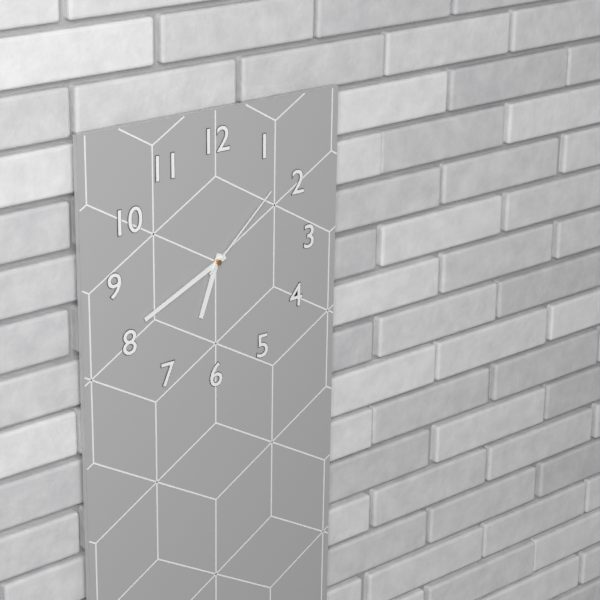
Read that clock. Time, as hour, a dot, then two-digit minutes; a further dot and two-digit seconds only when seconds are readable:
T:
6.41.08
